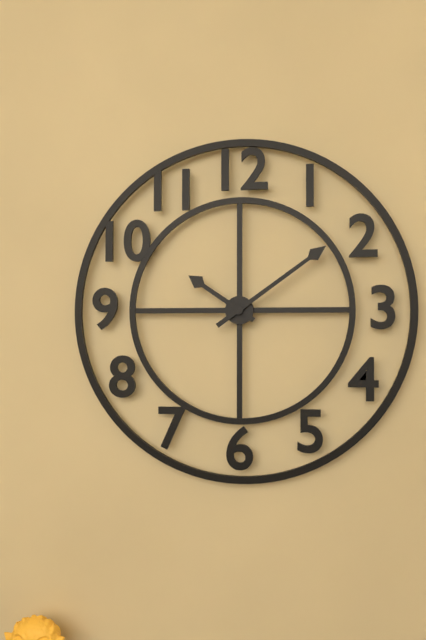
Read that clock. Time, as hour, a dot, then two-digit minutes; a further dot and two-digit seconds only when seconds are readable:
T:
10.09
